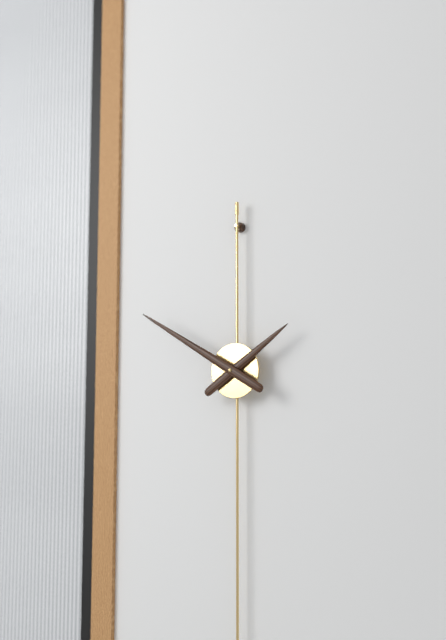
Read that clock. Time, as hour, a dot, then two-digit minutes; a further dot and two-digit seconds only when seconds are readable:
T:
1.50
